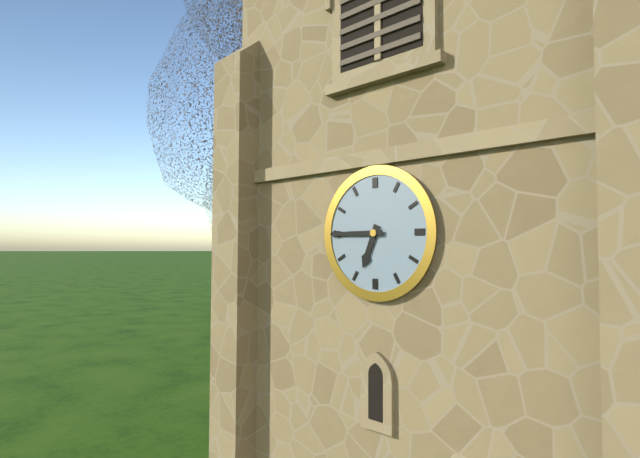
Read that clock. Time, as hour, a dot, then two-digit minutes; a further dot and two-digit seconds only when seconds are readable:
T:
6.45
